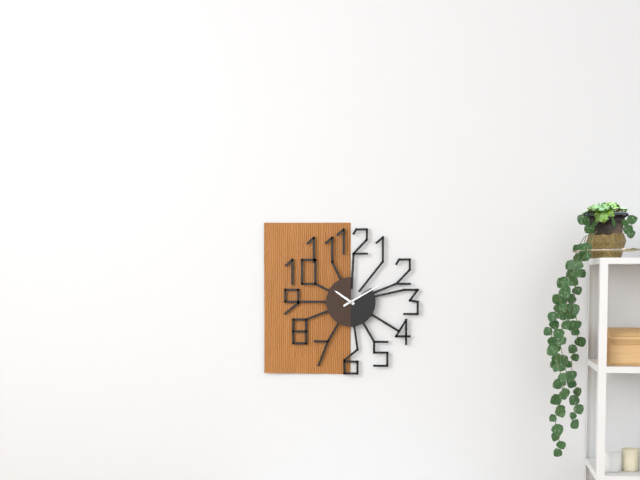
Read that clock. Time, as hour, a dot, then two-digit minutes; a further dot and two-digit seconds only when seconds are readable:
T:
10.10
